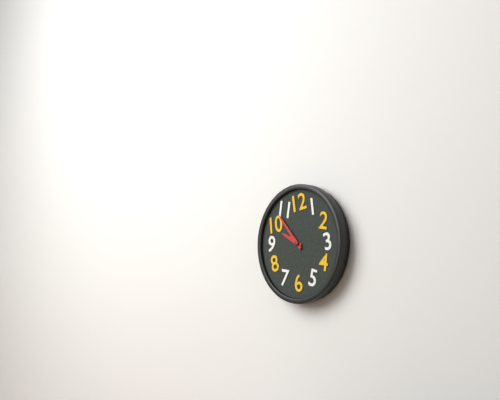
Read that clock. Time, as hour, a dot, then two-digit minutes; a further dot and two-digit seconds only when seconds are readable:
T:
9.53
